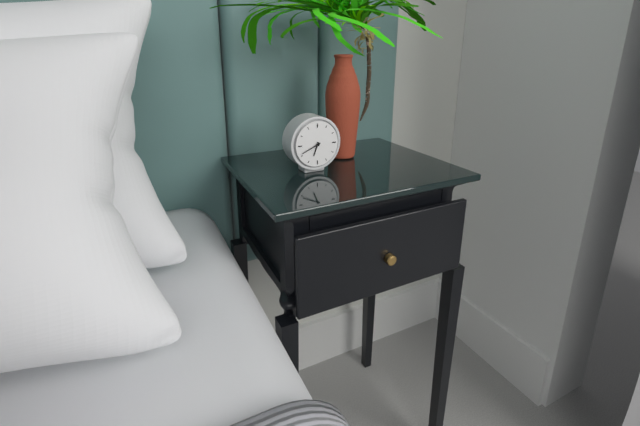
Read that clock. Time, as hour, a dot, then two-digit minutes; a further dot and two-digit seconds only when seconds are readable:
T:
6.41
